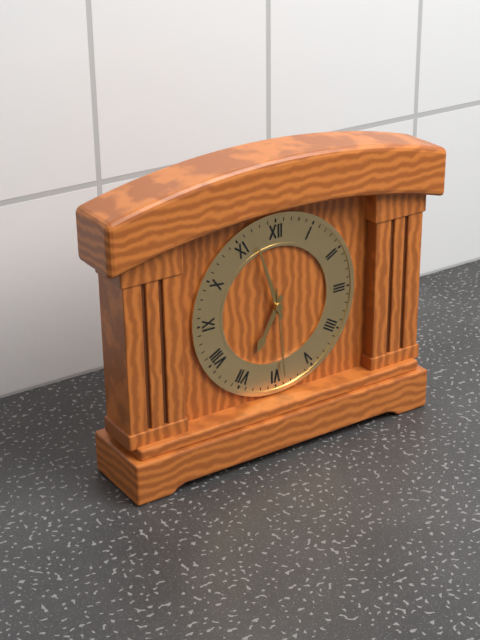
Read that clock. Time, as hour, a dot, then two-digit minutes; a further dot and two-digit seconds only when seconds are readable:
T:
6.57.29
